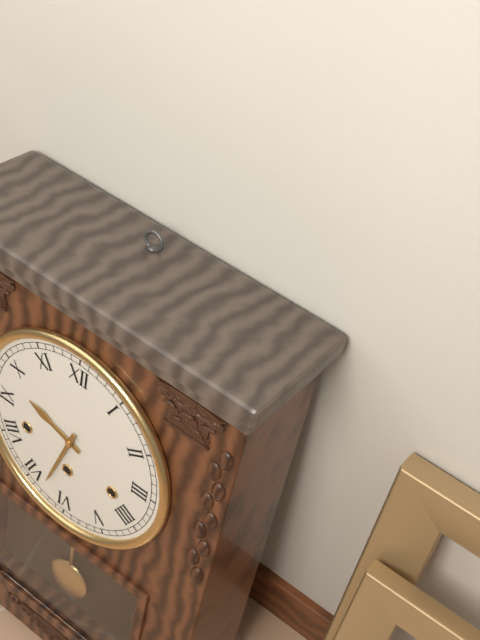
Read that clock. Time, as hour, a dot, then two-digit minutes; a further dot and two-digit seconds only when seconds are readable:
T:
9.33
